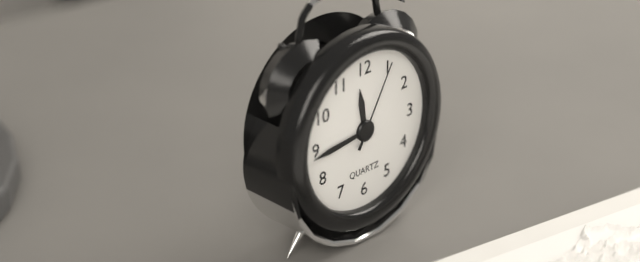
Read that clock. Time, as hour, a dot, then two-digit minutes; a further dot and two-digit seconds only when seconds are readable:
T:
11.44.05
